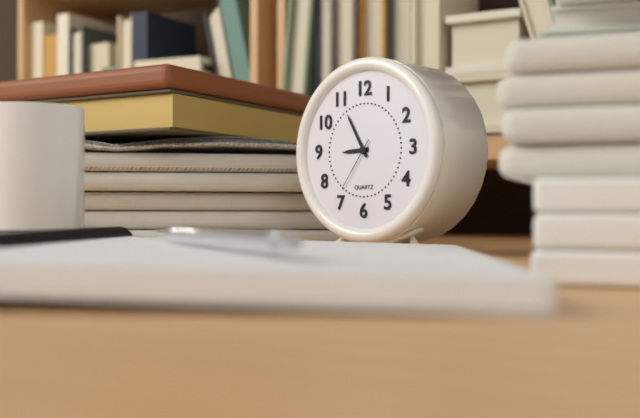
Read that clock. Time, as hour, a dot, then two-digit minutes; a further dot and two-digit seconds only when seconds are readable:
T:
8.55.36
